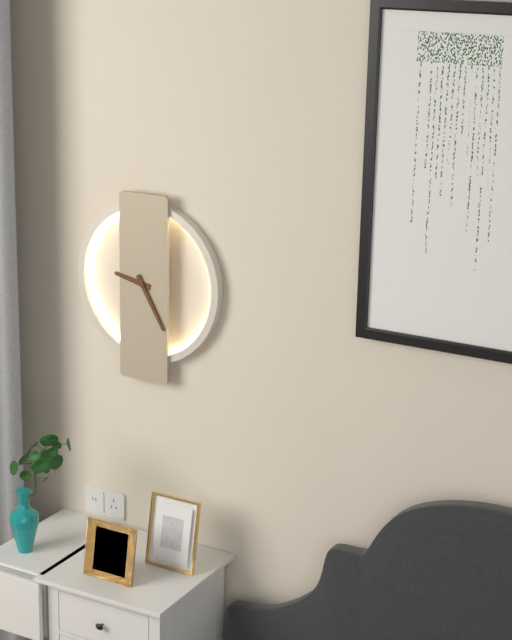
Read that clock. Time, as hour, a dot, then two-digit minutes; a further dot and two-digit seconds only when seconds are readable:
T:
9.25
